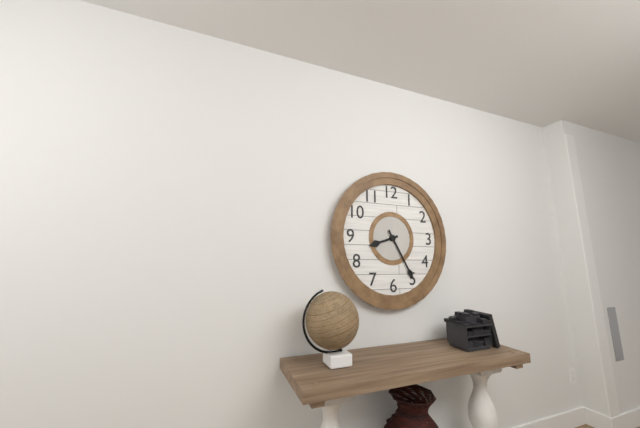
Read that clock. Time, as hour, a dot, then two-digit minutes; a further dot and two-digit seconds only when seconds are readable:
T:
8.25
